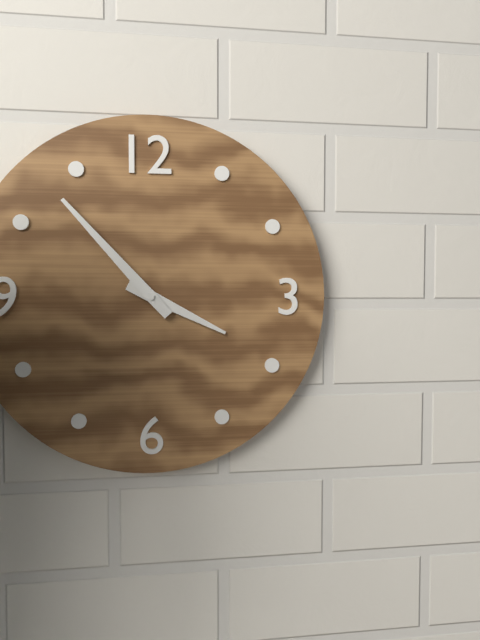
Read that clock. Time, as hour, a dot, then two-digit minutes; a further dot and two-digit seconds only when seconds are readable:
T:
3.53
